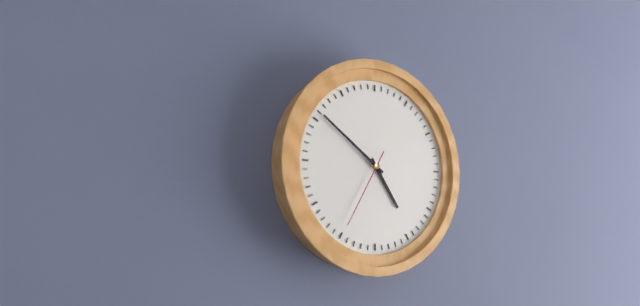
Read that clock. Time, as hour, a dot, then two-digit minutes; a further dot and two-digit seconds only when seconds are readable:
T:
4.51.35
